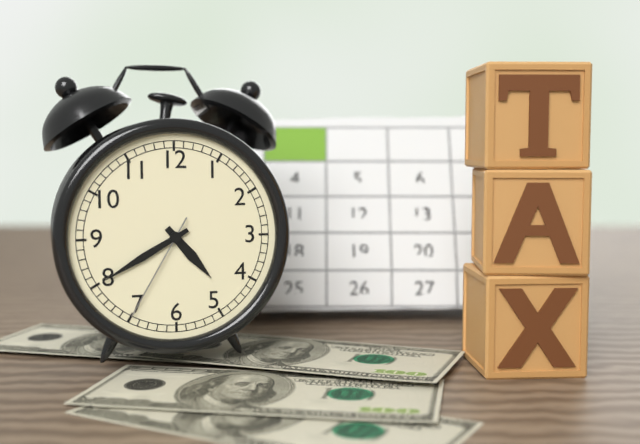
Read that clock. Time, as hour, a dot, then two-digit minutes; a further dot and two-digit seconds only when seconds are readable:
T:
4.40.35
